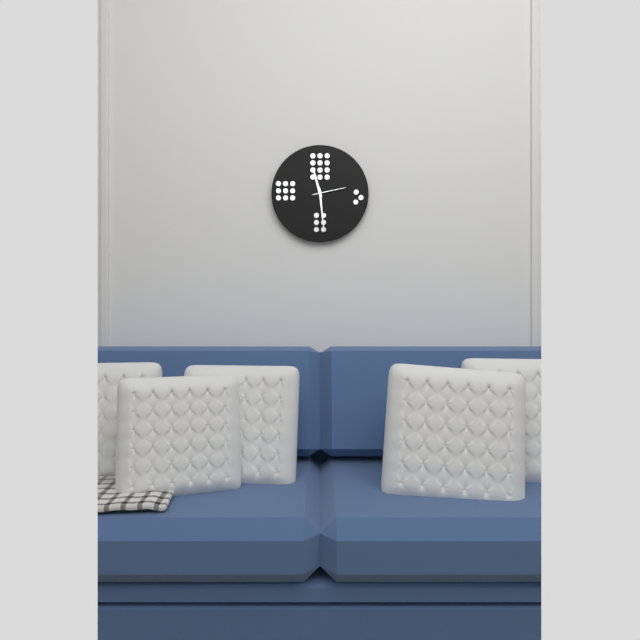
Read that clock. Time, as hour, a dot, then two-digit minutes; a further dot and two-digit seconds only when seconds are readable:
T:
11.29
